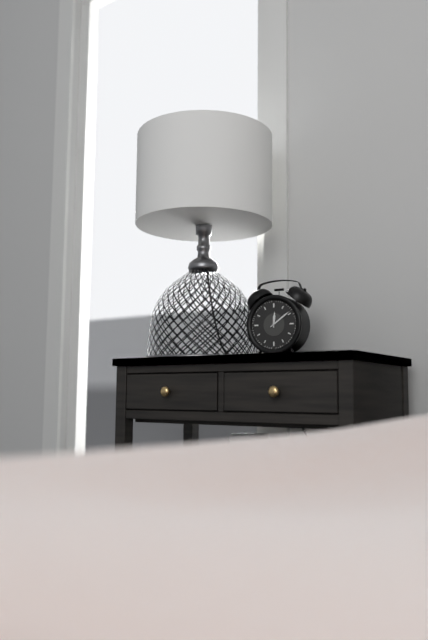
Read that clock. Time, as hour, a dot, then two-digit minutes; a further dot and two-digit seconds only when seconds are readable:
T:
12.09
